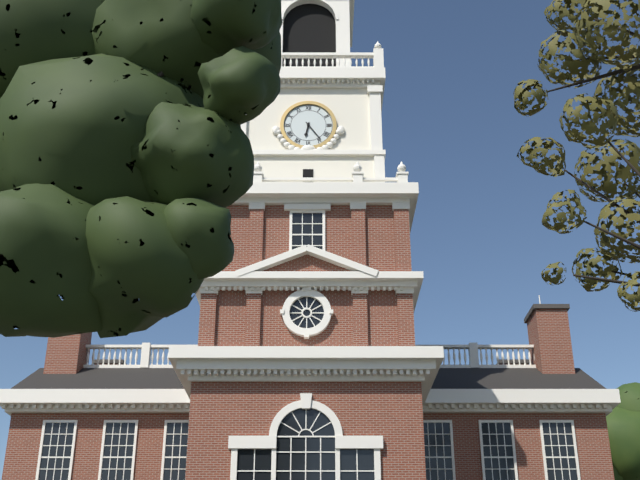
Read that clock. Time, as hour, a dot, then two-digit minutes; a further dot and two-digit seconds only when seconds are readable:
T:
6.24
